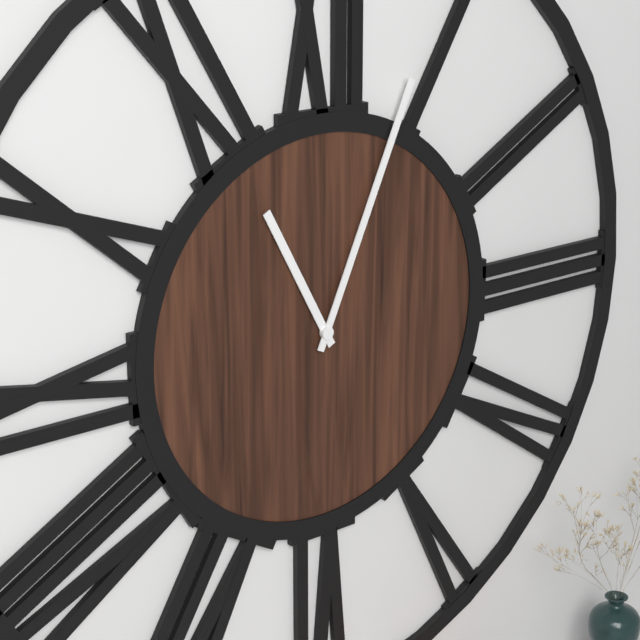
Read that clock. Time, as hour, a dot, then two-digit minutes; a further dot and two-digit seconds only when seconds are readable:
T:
11.04
